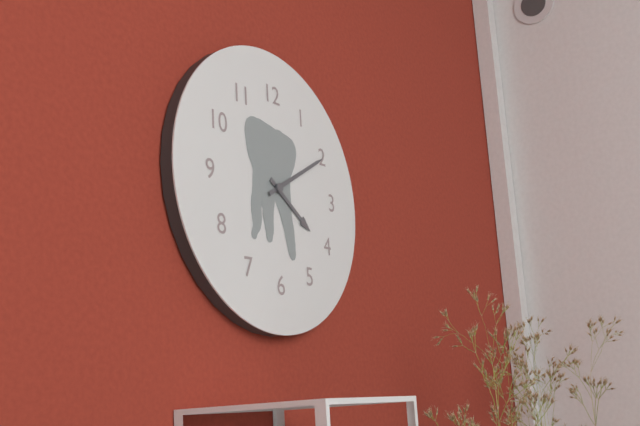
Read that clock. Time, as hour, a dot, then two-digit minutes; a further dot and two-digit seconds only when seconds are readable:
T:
4.10
